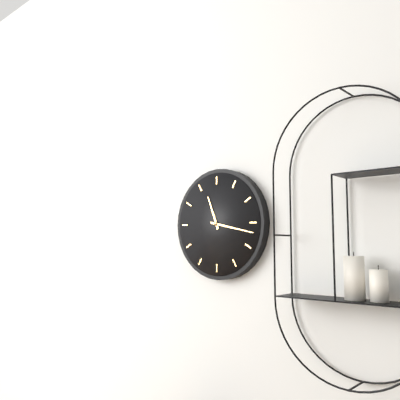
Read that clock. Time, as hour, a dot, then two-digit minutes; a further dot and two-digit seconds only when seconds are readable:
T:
11.17
